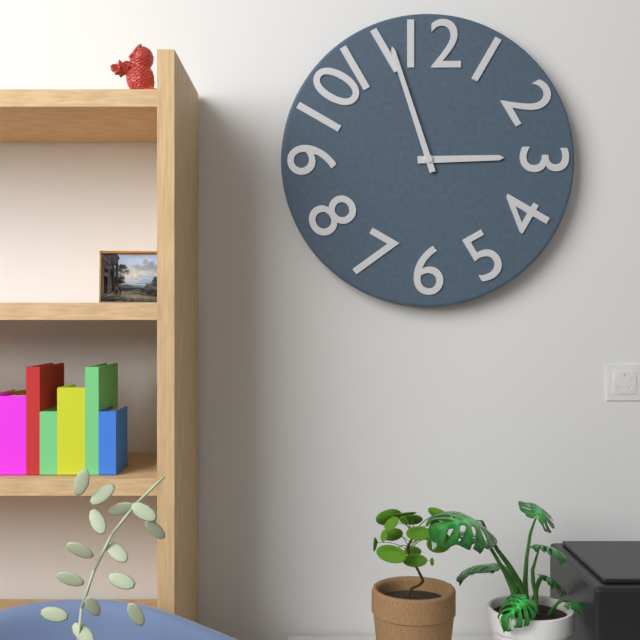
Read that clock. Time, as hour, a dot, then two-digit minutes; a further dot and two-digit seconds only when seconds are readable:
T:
2.57
